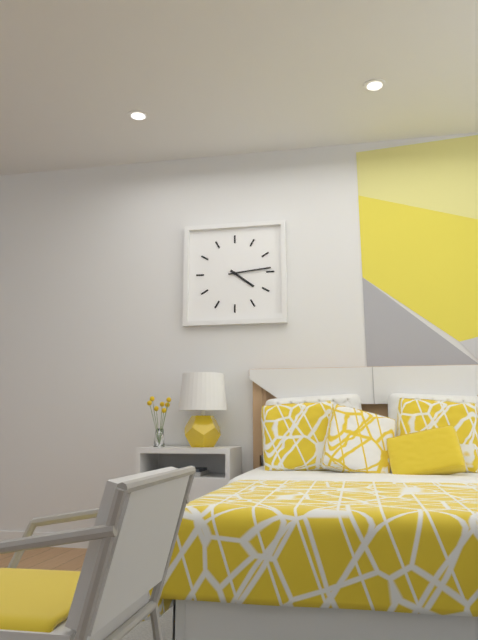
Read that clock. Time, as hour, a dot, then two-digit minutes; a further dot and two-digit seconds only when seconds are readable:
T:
4.14
